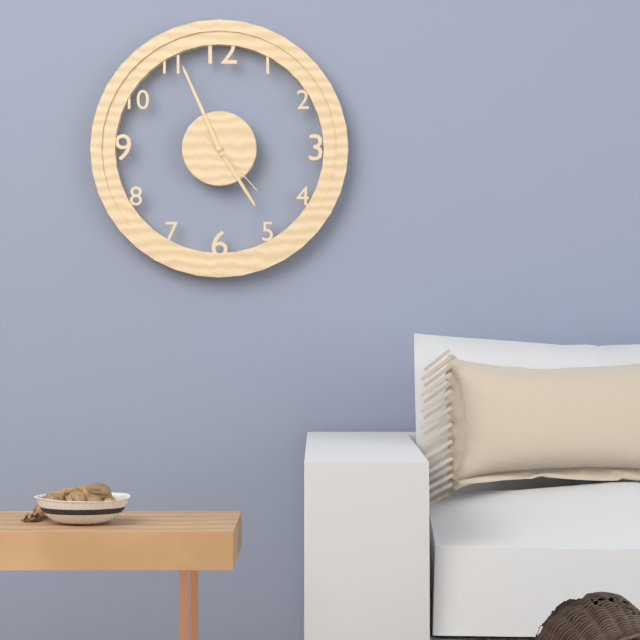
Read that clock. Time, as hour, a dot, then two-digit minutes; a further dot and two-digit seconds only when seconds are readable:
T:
4.56.23
